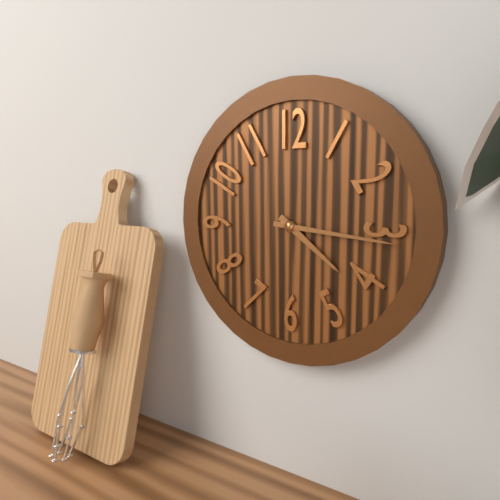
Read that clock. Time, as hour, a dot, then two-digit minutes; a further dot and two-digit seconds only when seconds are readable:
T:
4.16
